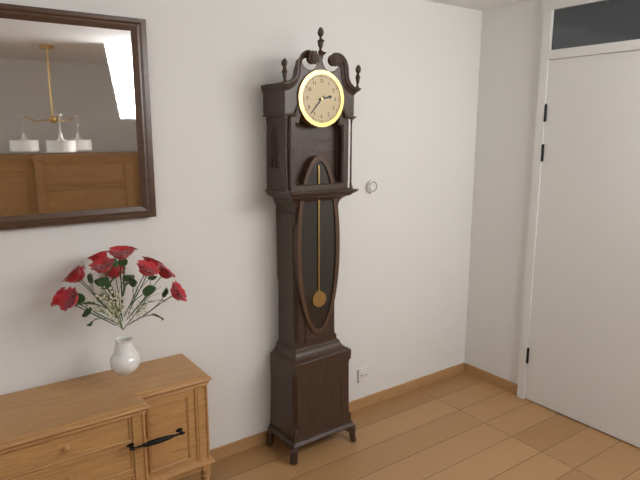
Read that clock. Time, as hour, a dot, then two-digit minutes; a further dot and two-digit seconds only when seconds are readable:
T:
2.37
